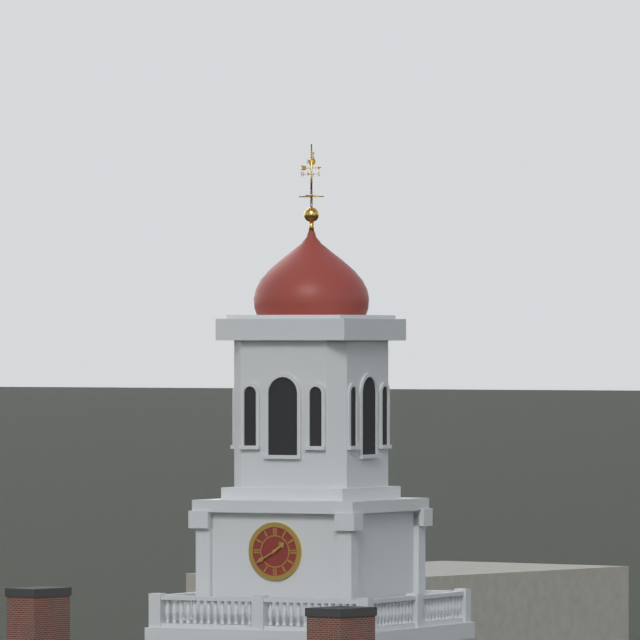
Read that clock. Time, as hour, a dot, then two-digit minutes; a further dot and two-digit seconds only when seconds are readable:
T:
1.40
